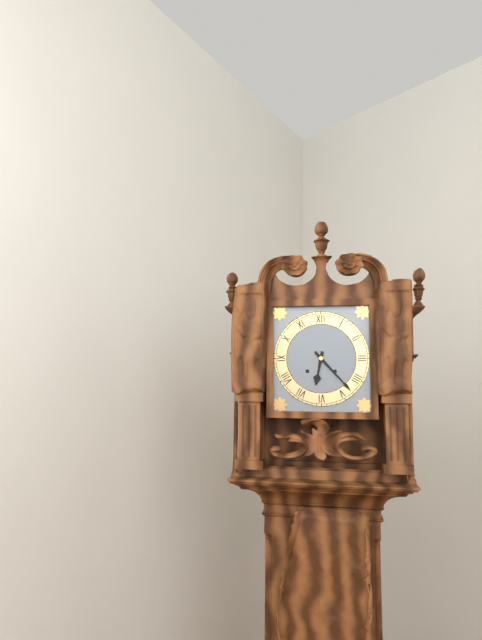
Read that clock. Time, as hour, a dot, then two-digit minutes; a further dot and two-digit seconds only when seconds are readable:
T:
6.23
